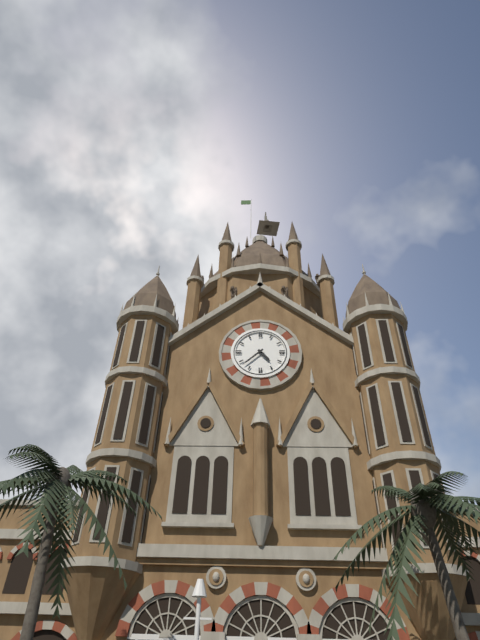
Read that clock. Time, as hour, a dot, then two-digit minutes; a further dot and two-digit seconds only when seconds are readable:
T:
4.38
